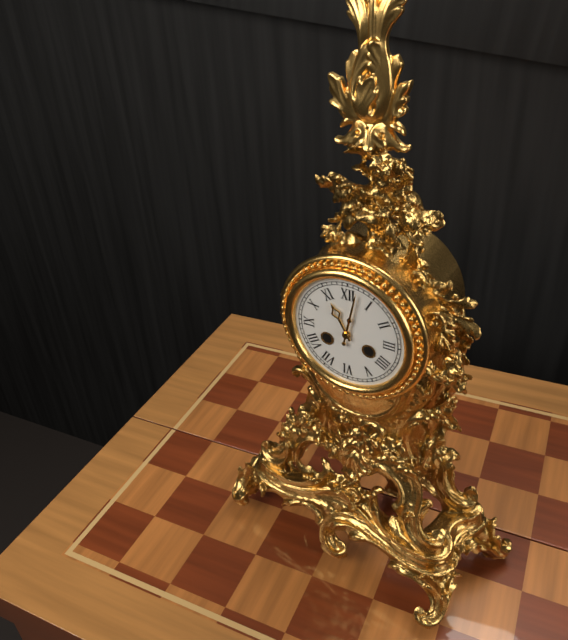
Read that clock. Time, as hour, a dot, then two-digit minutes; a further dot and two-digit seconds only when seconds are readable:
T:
11.02
